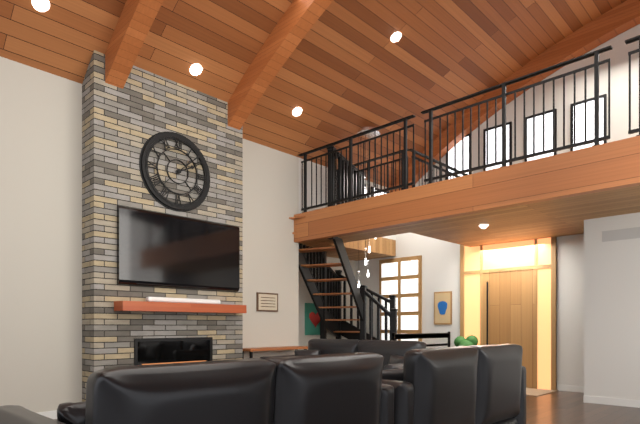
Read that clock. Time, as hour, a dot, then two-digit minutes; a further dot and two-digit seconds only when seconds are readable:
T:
2.08
